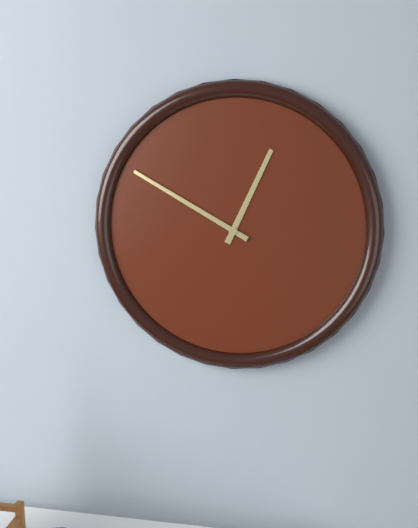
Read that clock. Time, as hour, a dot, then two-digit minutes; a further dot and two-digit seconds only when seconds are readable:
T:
12.50
